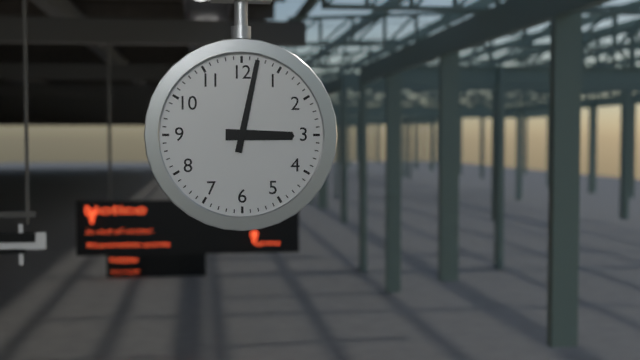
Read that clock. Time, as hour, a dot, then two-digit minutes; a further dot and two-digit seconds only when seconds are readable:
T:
3.02
